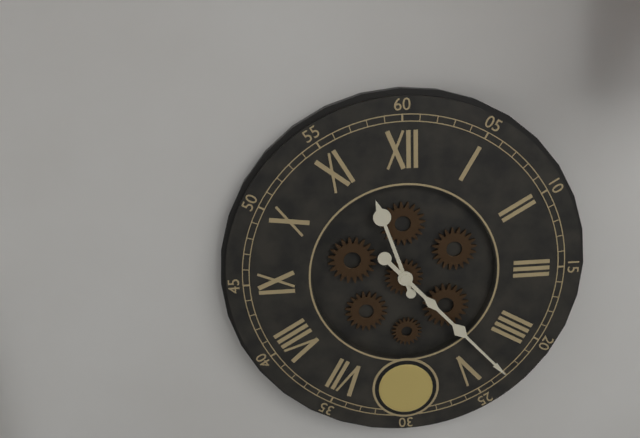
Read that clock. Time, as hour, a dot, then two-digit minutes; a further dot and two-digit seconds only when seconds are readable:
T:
11.23
